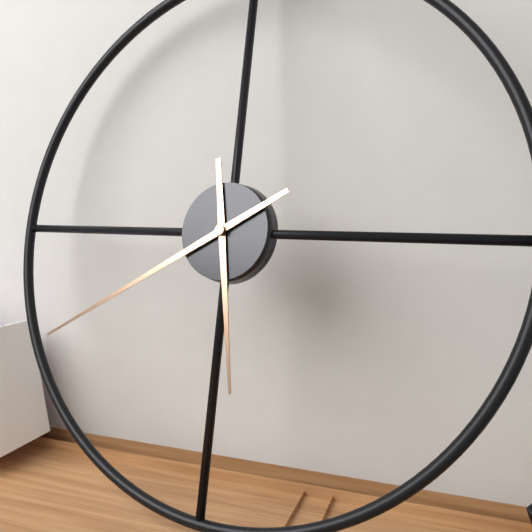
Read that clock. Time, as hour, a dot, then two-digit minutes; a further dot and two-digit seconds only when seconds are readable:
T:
5.40
